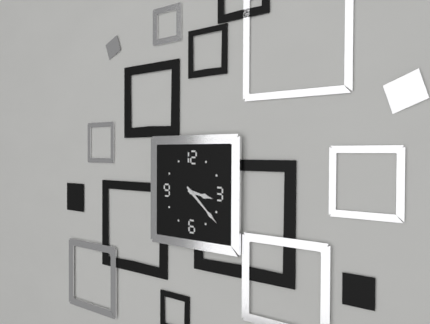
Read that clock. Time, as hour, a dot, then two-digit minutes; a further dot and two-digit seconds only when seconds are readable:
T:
3.22
